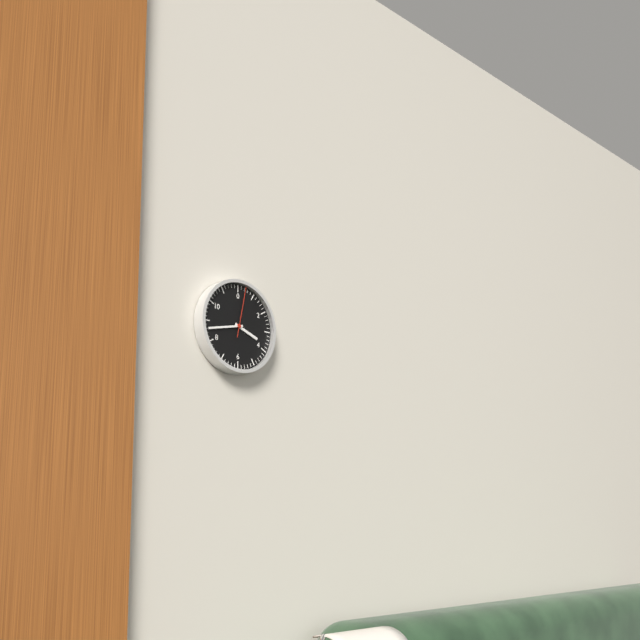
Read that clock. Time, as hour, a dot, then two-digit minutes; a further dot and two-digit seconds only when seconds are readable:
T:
3.43
